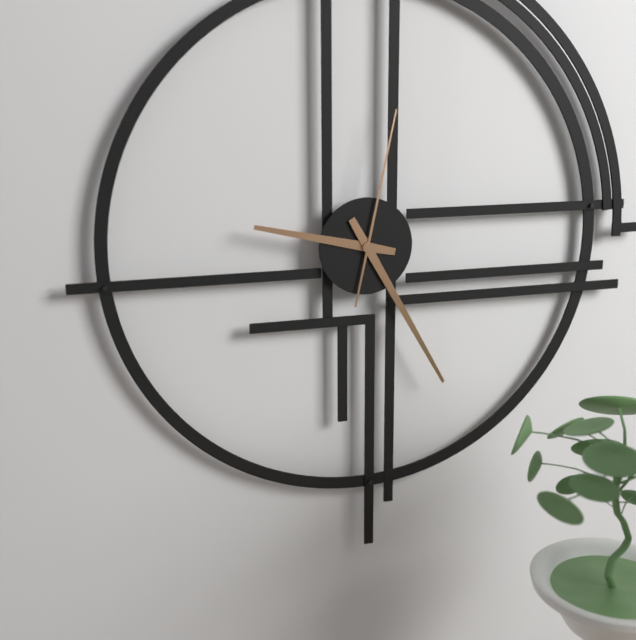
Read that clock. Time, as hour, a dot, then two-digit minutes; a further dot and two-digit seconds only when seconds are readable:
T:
9.25.02
